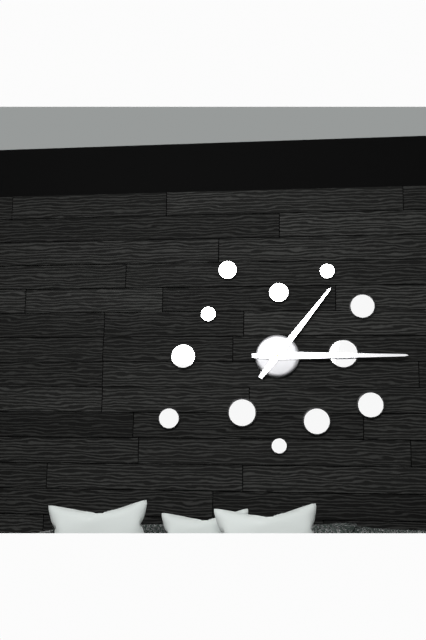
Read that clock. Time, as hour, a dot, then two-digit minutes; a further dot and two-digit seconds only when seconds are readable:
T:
1.15
